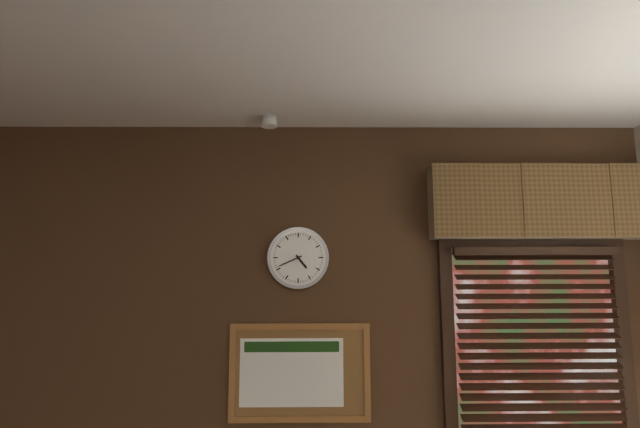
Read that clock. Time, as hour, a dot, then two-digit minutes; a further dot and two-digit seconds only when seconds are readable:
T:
4.41
